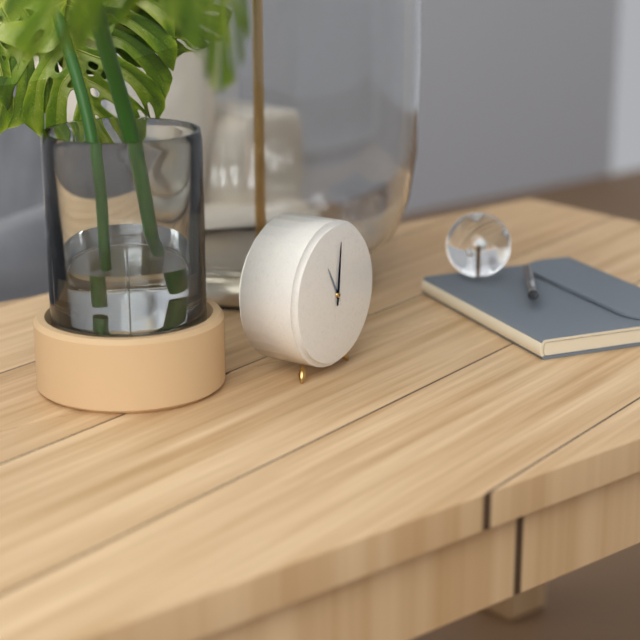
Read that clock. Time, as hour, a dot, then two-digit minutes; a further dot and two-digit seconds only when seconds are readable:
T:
11.01
